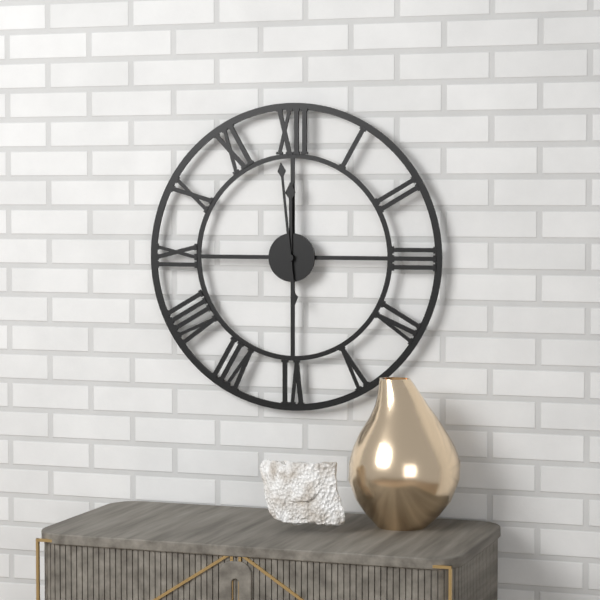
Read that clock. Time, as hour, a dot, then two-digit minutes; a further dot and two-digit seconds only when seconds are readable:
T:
11.59
